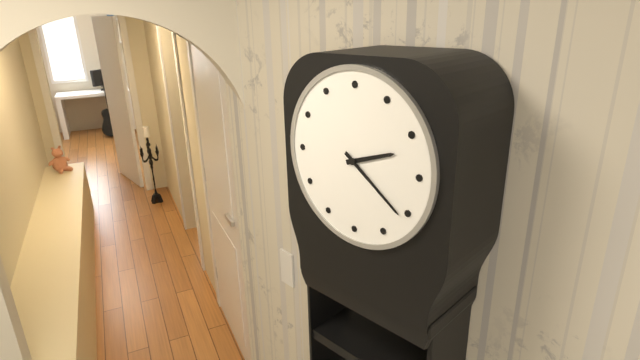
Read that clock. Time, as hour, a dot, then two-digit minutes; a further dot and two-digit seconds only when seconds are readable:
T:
2.21
